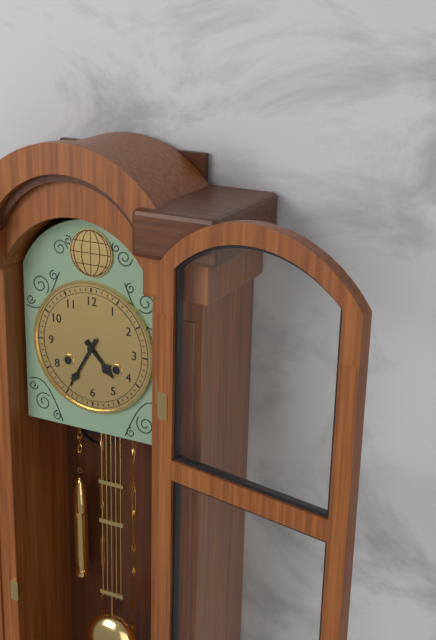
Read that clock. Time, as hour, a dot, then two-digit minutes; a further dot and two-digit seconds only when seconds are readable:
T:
4.35
